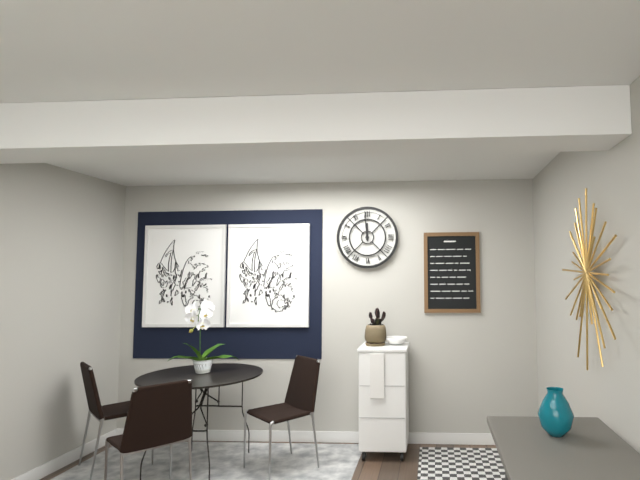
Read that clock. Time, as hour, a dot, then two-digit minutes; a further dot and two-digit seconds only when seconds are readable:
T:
11.59
